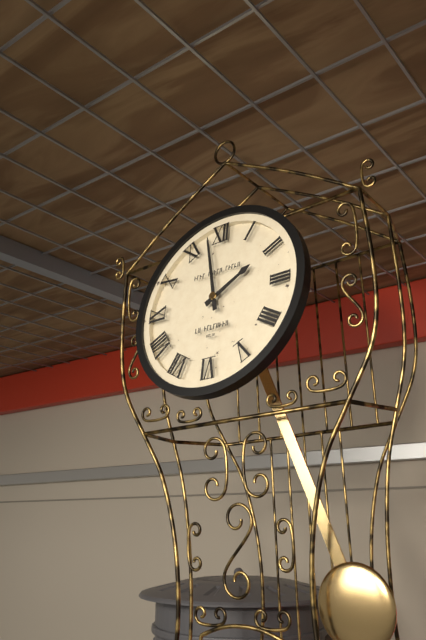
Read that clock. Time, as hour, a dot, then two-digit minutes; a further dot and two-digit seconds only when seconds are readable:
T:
1.58
